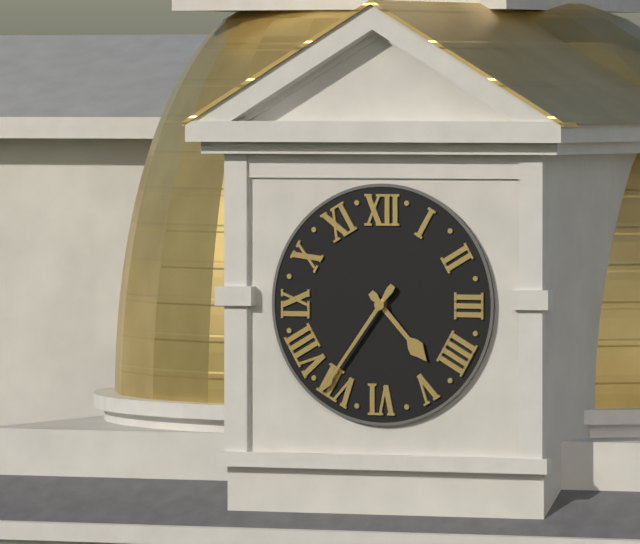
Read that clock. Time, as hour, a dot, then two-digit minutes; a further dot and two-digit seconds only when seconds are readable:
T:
4.36
